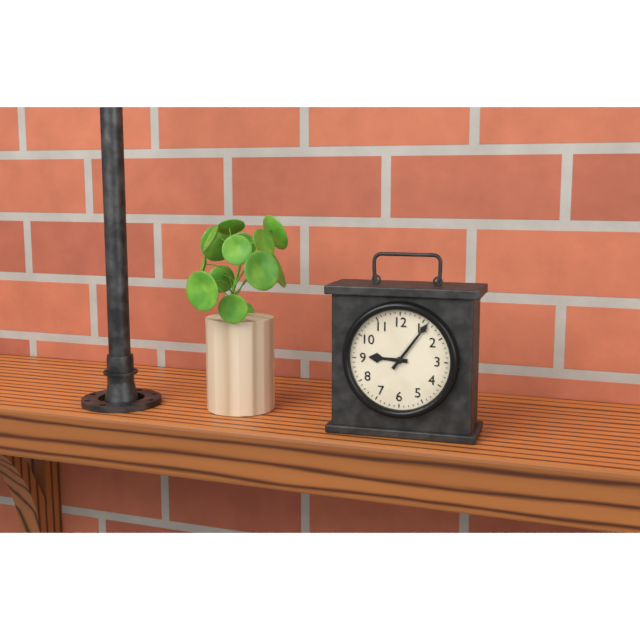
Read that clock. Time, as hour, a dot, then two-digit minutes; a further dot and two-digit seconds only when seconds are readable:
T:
9.06
